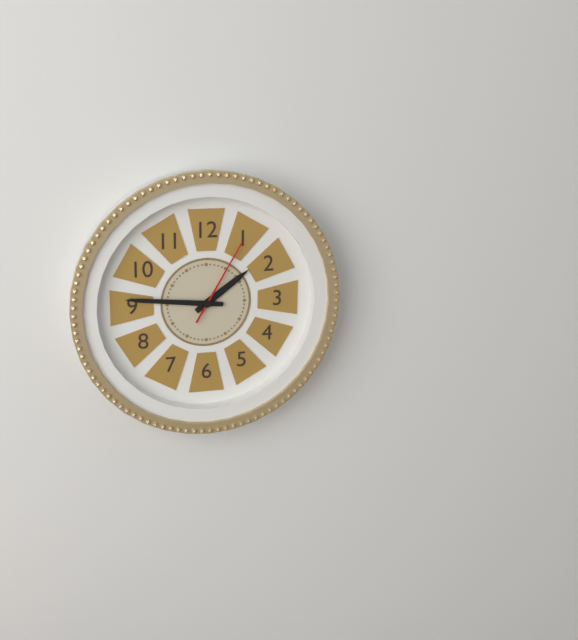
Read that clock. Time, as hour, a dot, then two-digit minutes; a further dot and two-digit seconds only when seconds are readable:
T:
1.46.05
